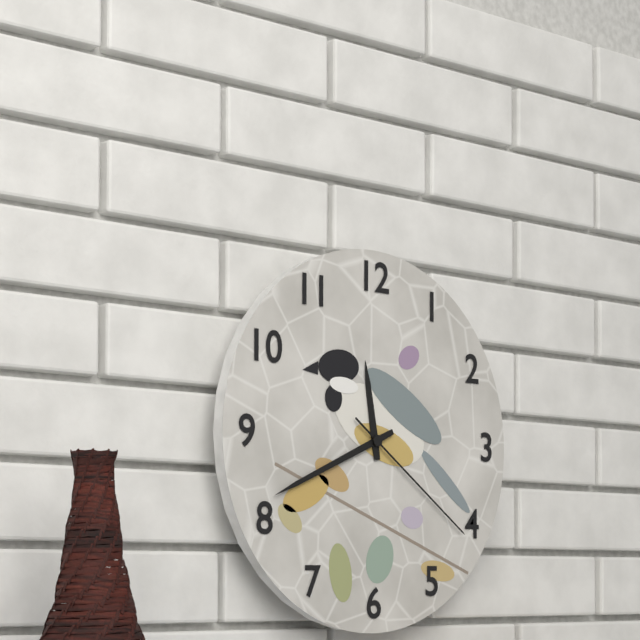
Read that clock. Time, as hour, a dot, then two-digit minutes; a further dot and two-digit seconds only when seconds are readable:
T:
11.41.21
